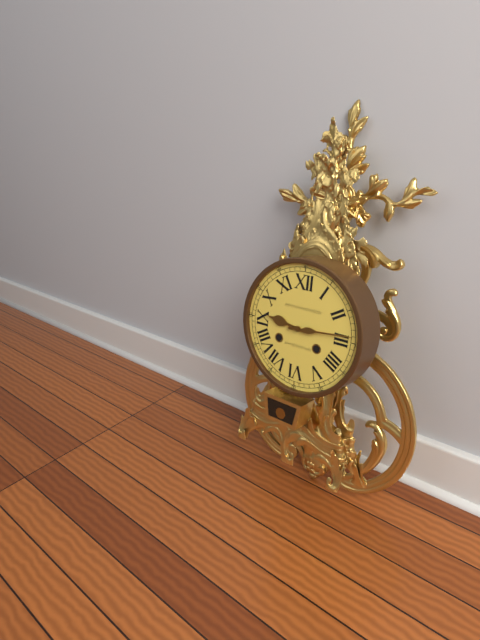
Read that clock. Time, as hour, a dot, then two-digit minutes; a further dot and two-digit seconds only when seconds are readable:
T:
9.14
